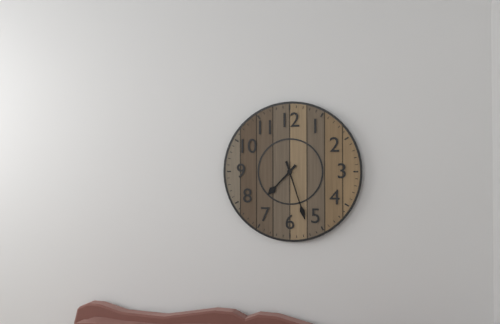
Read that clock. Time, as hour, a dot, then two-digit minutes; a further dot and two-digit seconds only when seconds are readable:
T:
7.27
